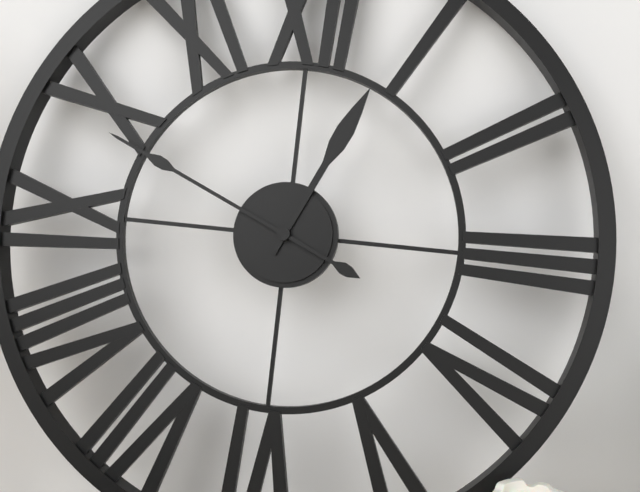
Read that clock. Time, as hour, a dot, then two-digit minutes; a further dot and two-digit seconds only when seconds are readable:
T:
12.49
